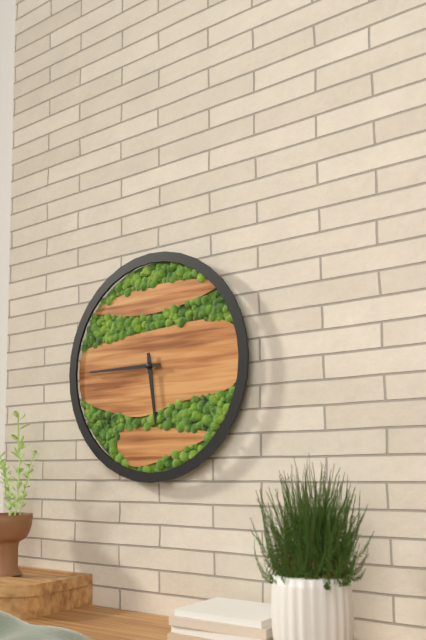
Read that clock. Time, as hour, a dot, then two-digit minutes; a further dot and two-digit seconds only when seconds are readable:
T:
5.45
